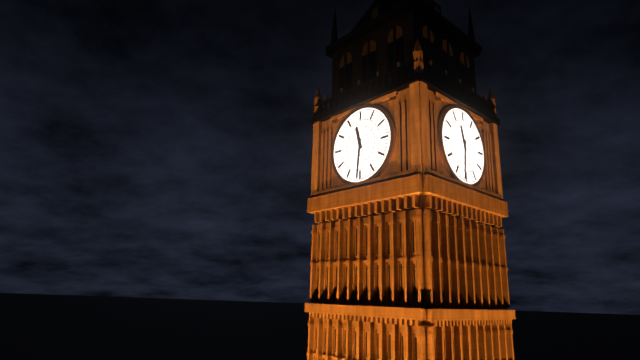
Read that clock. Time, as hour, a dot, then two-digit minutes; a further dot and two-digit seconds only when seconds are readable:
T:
11.31
